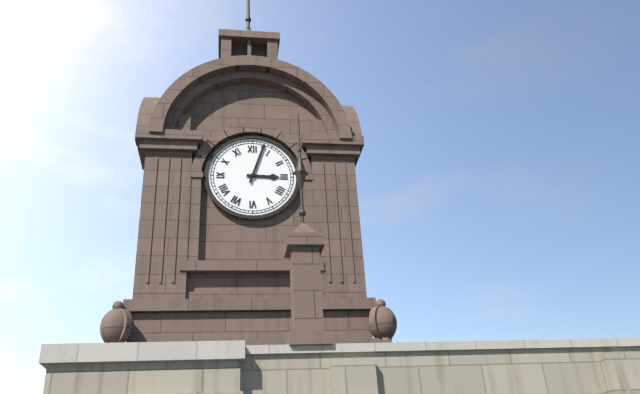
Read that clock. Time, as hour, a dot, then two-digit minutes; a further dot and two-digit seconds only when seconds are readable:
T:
3.03
